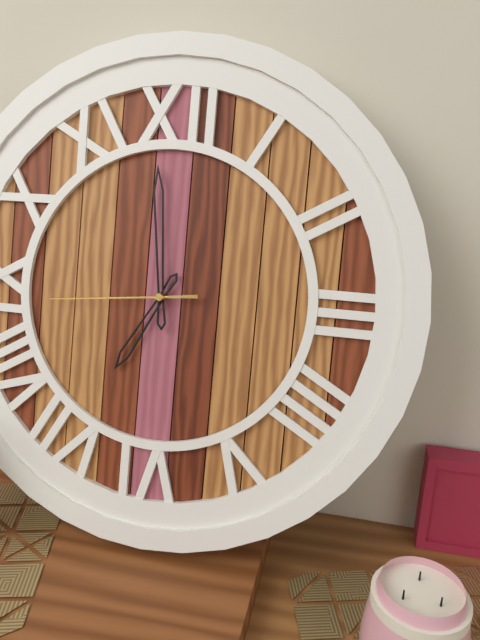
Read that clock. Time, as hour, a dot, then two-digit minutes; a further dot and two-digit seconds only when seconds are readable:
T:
6.59.44
